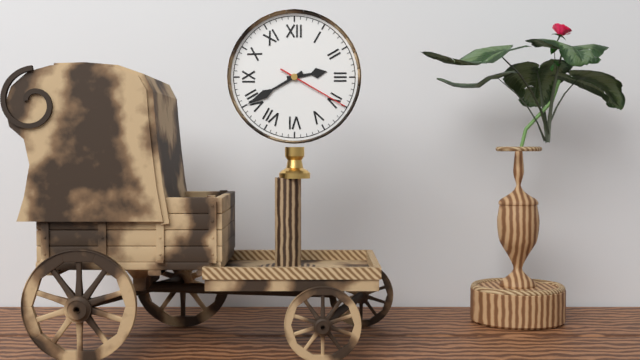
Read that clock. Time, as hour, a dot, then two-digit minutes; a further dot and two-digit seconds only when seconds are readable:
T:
2.40.20
